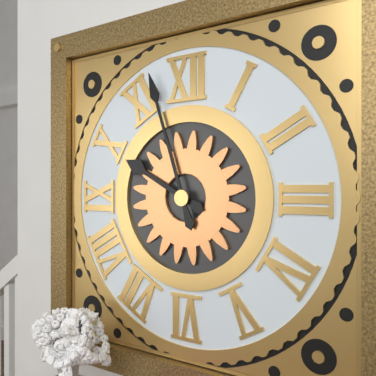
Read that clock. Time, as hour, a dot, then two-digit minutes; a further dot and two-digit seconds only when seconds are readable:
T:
9.57
